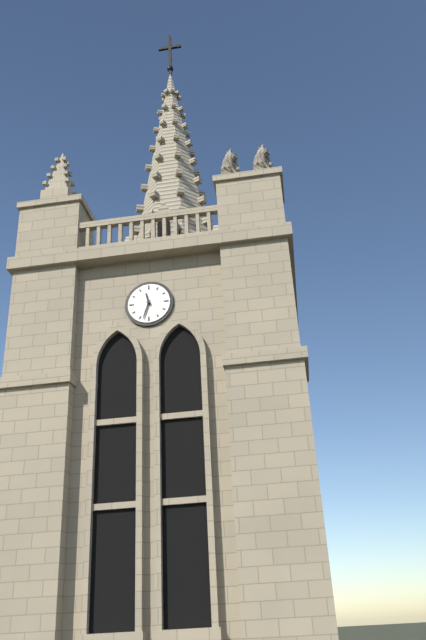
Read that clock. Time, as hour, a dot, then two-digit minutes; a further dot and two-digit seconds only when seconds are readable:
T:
11.33
